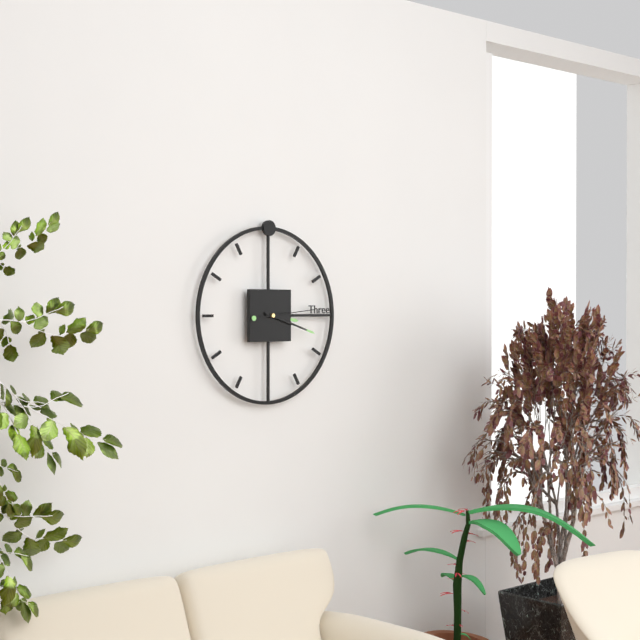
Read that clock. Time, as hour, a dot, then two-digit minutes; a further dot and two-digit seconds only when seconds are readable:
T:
3.18.14
